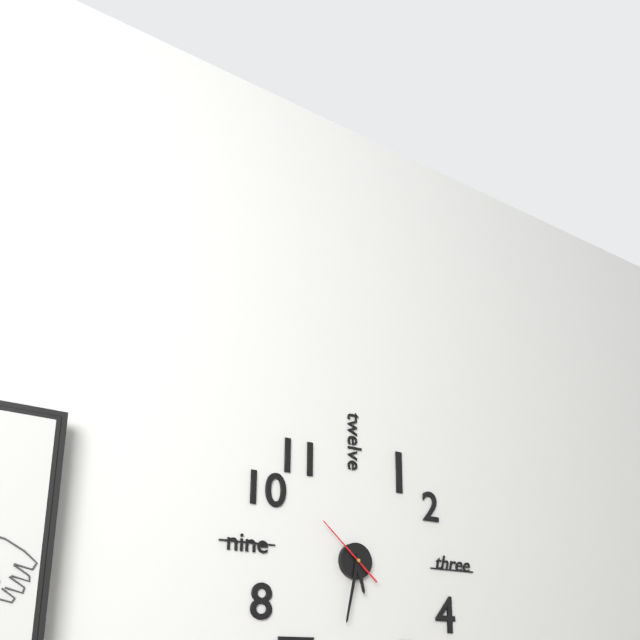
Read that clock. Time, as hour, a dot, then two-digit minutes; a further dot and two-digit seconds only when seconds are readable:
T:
5.32.52
